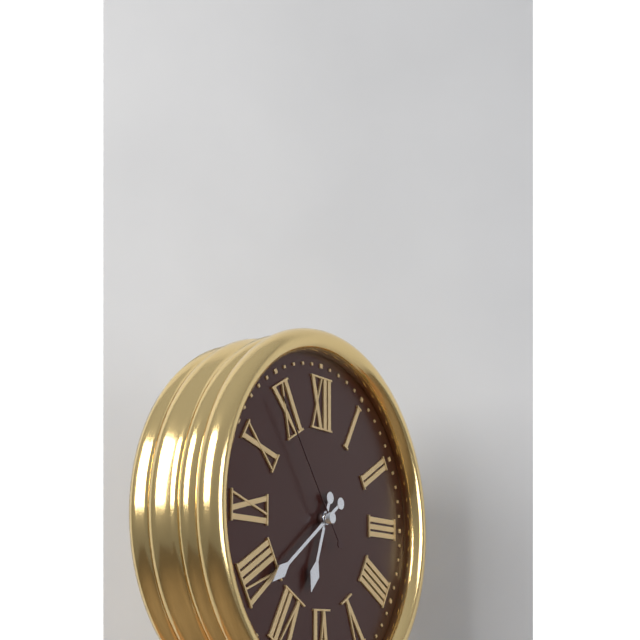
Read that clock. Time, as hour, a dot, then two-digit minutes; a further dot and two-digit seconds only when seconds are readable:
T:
6.39.54
